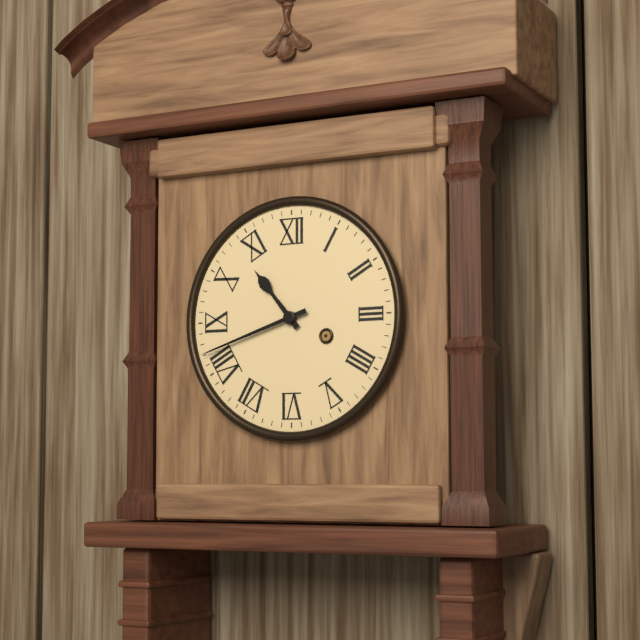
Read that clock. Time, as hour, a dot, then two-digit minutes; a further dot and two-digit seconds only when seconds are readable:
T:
10.42
